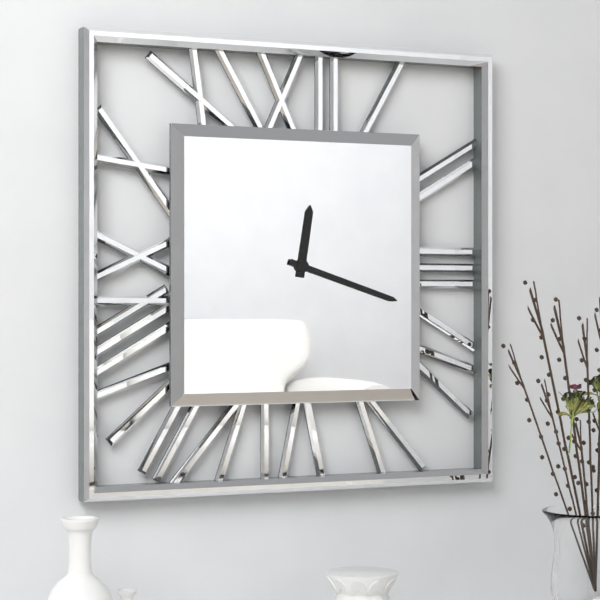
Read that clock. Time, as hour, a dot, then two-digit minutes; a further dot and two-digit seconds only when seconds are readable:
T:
12.18
